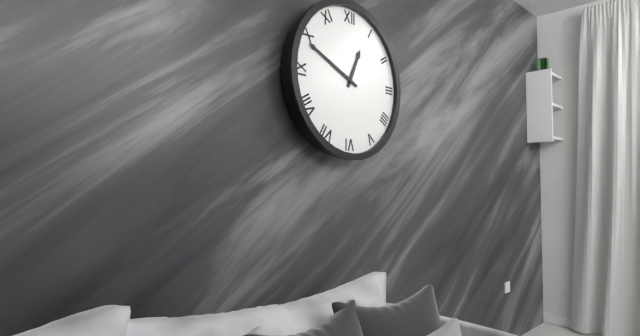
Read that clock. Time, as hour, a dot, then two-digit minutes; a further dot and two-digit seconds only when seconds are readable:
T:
12.49
